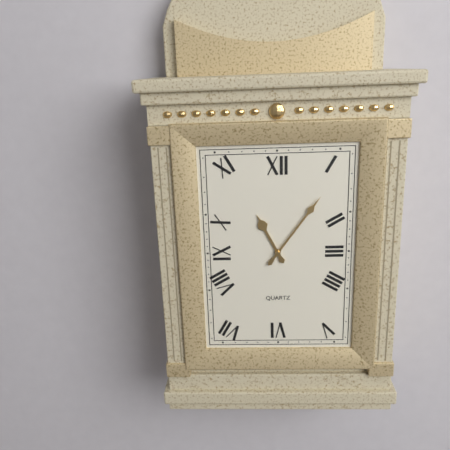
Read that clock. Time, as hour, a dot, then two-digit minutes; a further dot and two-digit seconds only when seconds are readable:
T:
11.06
